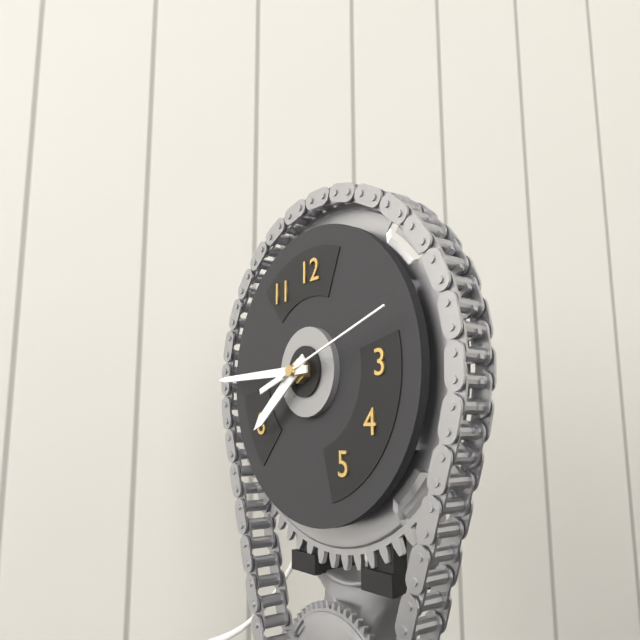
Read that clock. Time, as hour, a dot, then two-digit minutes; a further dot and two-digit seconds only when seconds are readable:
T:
7.45.12
